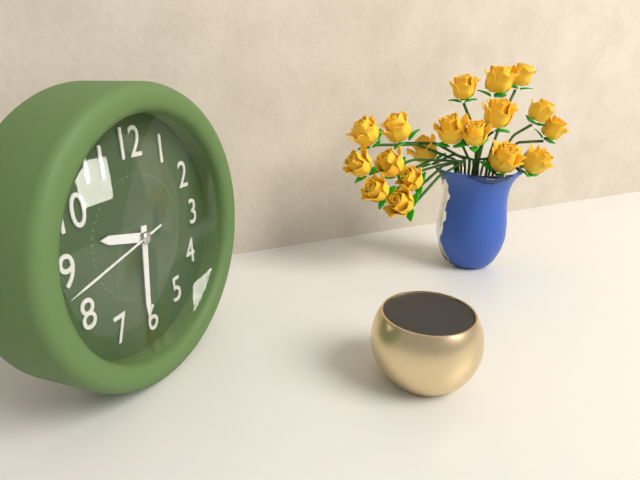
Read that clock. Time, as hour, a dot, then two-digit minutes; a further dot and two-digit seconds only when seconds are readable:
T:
9.31.43
